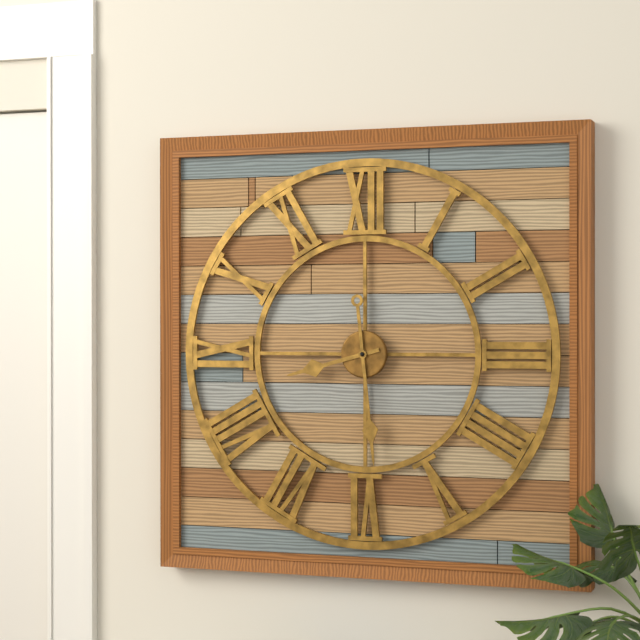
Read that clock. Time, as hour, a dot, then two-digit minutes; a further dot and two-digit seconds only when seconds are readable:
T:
8.29
